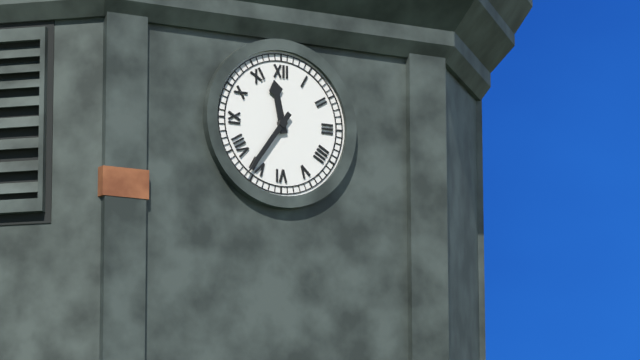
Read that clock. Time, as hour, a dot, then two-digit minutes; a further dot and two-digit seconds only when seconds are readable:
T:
11.36
